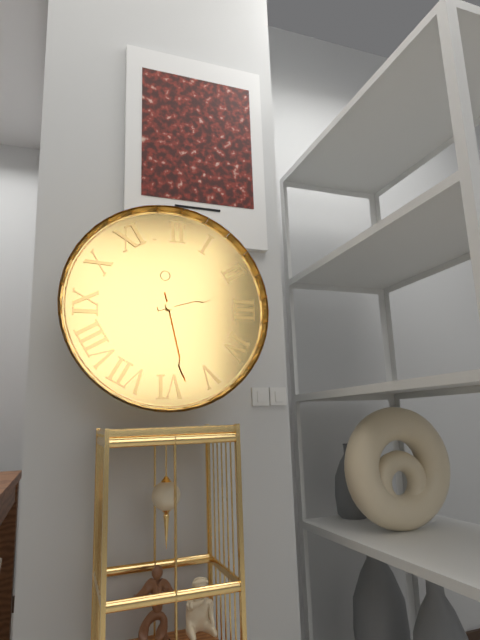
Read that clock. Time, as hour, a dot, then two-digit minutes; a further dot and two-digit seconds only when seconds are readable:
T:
2.28
